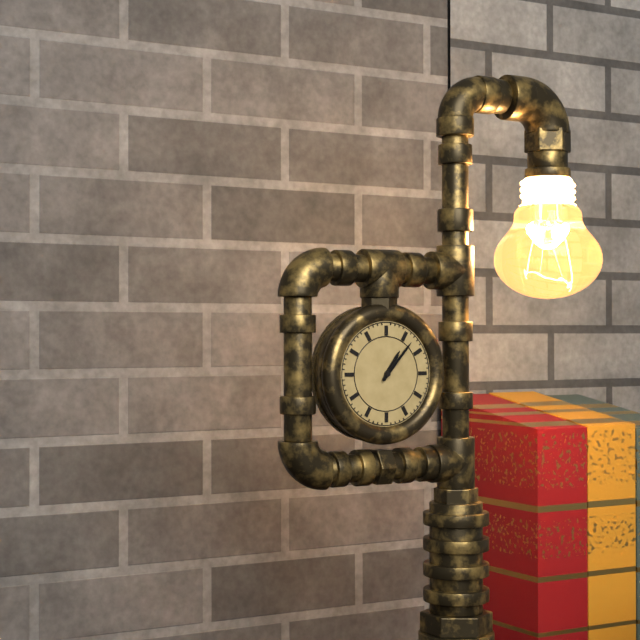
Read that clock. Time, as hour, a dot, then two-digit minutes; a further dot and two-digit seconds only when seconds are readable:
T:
1.07
